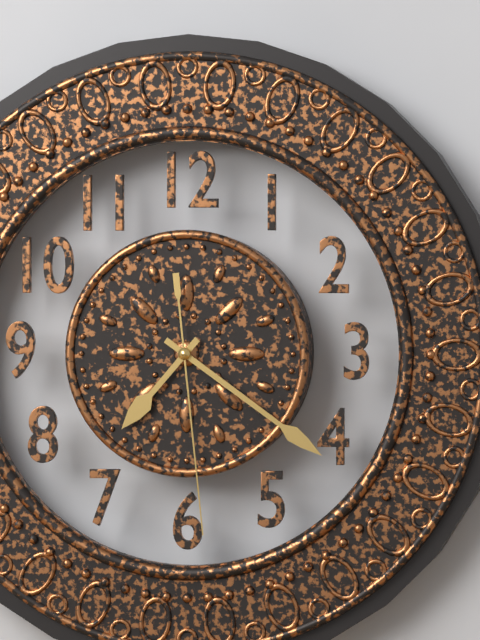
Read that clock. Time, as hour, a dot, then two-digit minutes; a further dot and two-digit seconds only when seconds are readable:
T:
7.21.29
